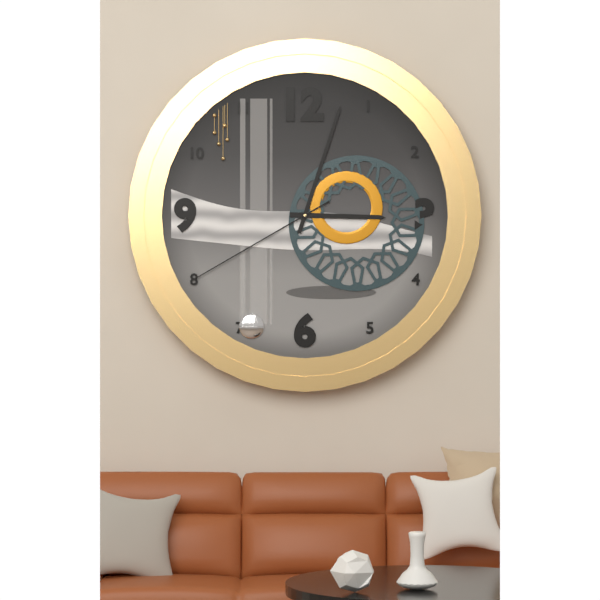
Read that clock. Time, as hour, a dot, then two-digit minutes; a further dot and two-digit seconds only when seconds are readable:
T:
3.03.40
